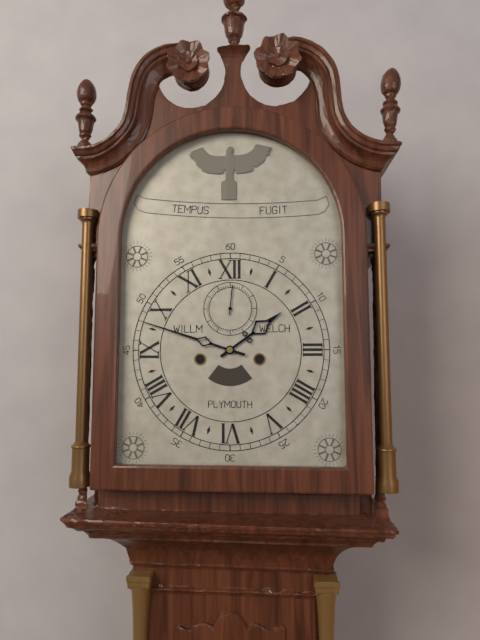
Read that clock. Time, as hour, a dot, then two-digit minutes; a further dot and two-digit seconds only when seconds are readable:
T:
1.48
